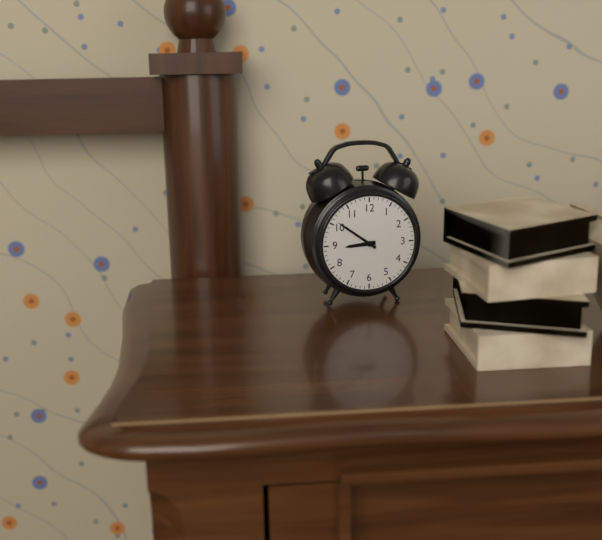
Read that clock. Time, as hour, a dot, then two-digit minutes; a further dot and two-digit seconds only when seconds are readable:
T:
8.51
